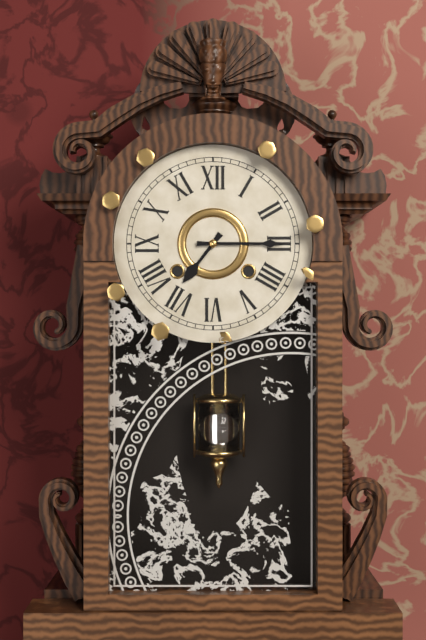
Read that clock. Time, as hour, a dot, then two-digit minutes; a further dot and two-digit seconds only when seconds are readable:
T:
7.15
